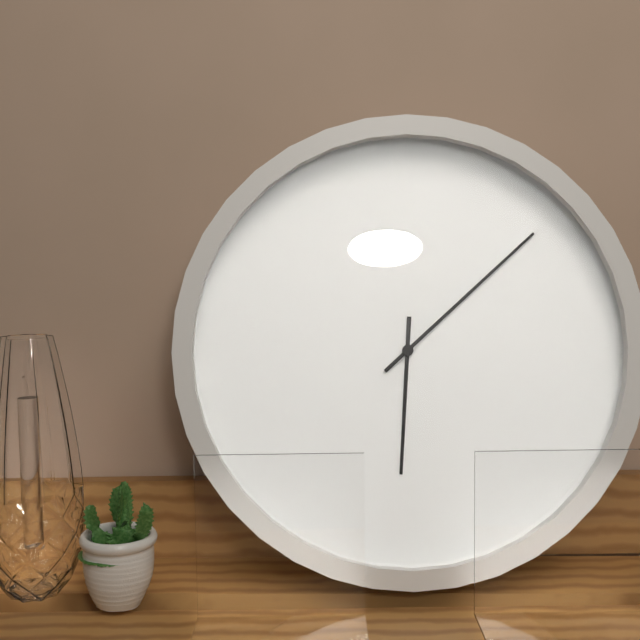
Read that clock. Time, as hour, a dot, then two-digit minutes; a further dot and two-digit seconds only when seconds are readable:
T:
6.08
